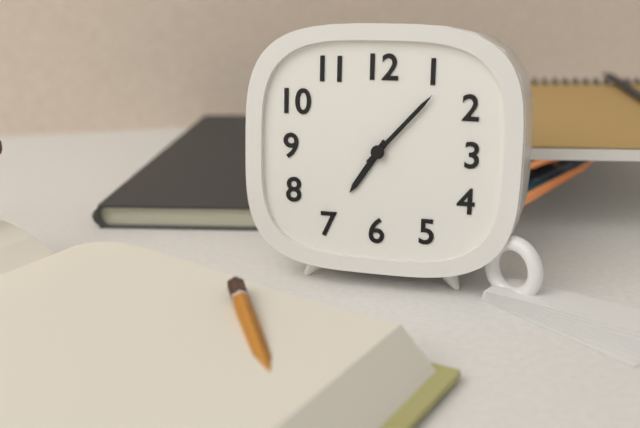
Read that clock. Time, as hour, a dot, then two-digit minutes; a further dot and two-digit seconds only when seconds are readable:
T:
7.07
